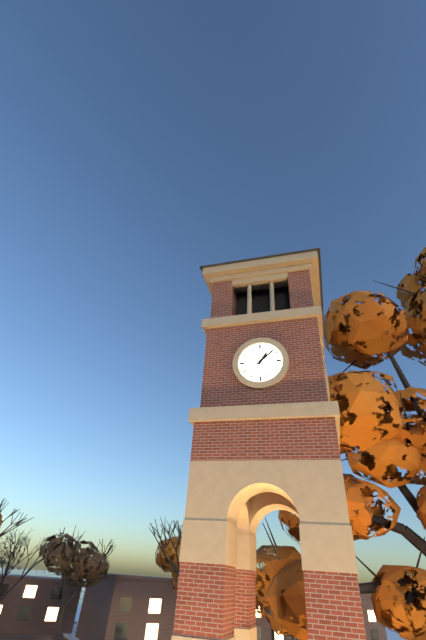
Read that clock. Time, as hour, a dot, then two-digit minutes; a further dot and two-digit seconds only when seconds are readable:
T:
1.08
